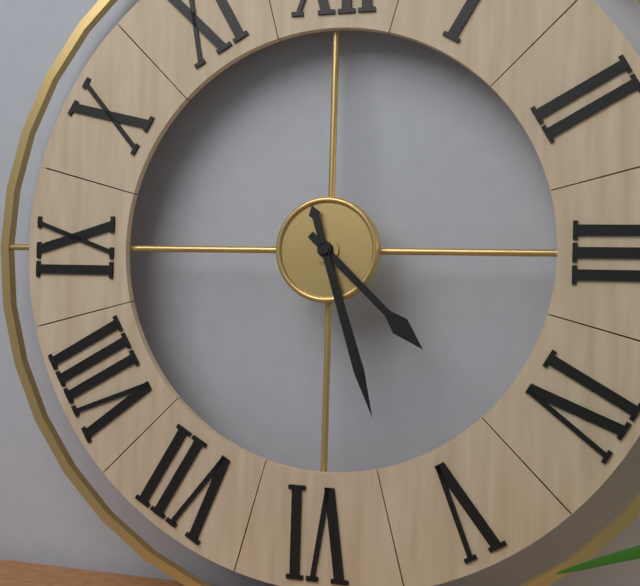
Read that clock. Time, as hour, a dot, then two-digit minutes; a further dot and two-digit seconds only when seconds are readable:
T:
4.27
